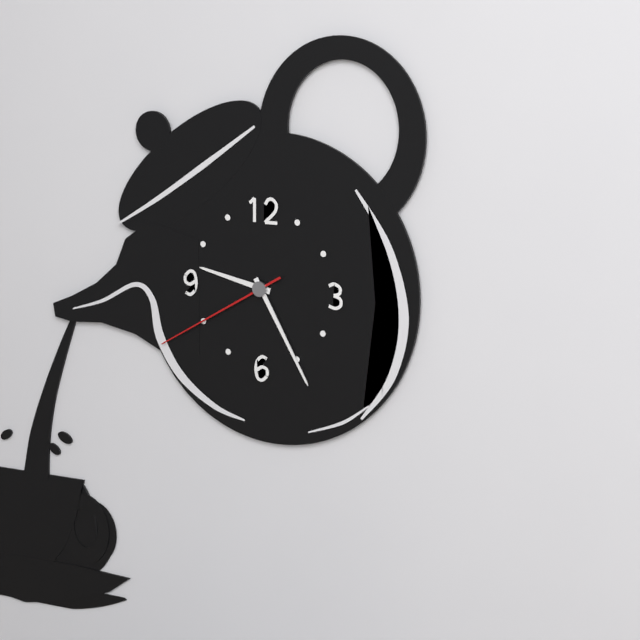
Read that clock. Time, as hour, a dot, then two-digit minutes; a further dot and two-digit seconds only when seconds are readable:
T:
9.25.40
